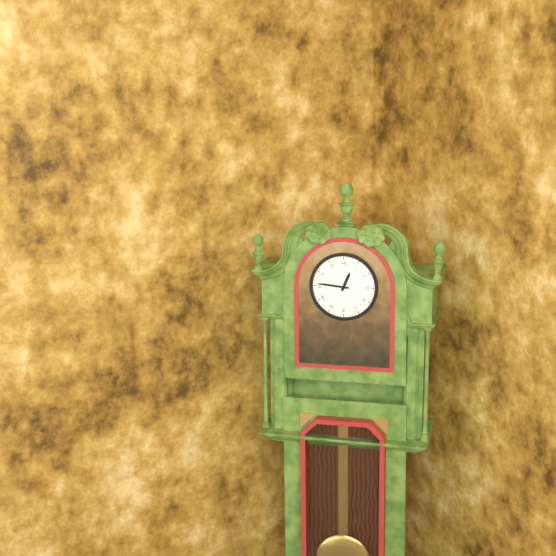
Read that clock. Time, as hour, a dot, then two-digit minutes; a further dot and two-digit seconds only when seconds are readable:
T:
12.46
